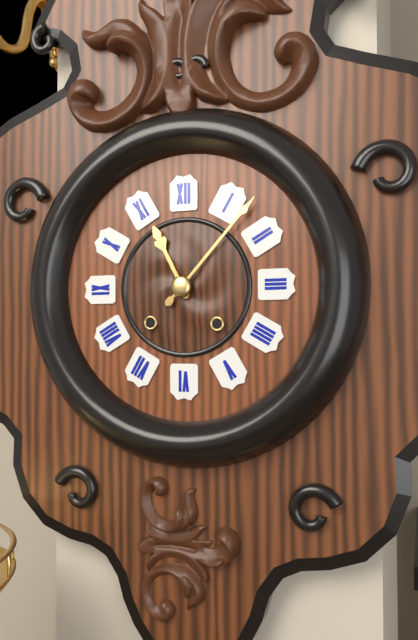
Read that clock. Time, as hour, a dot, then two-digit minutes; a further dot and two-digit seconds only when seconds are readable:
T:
11.07
